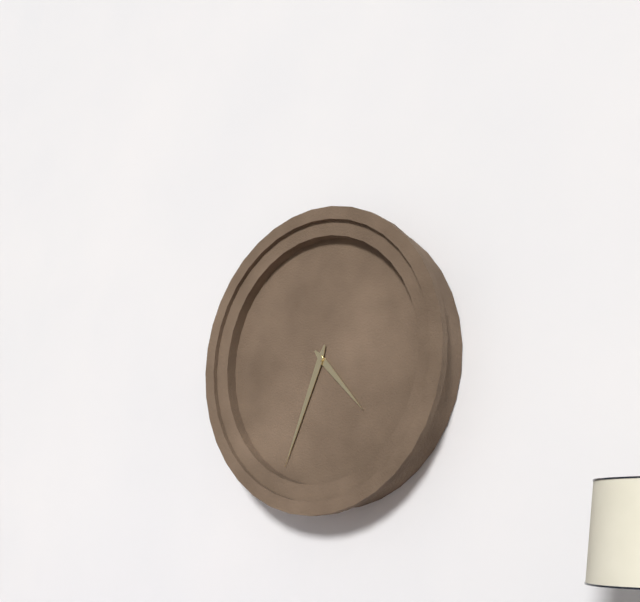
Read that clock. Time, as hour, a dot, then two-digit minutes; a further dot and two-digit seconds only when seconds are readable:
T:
4.34
